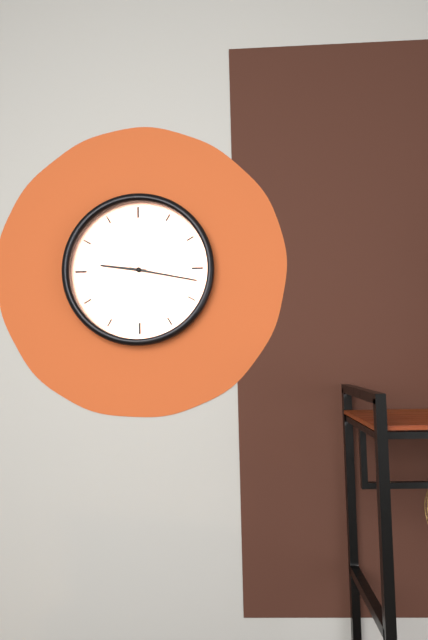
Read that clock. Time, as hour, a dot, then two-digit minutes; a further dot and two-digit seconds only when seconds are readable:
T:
9.17
